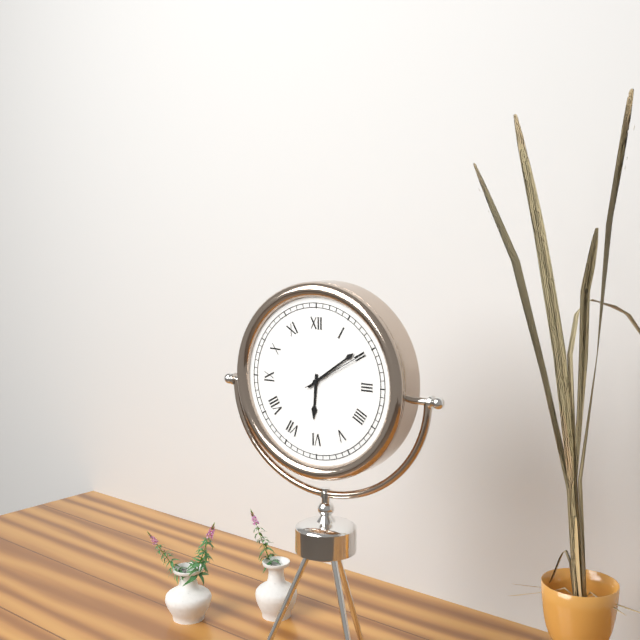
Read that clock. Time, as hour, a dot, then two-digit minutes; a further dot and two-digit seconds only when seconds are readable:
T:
6.09.10
